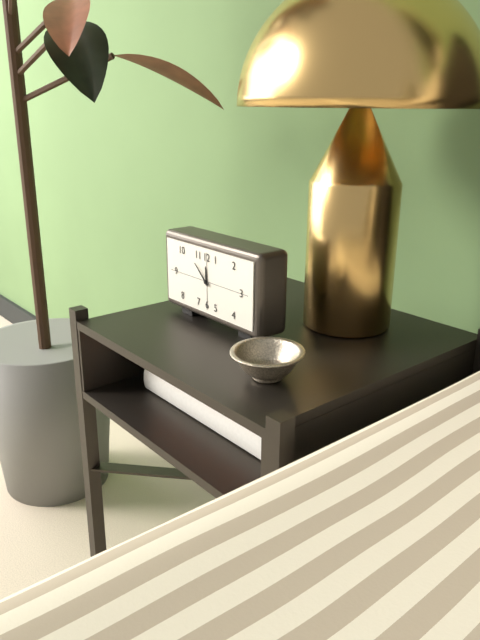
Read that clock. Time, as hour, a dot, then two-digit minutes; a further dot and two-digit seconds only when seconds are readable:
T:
11.52
